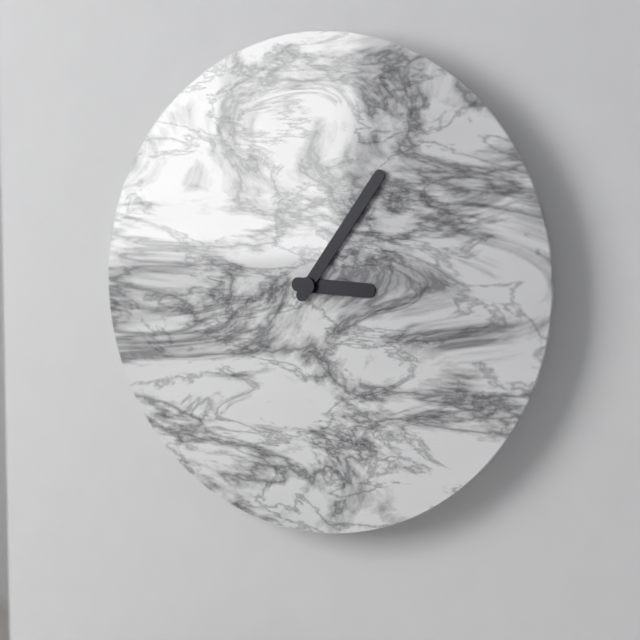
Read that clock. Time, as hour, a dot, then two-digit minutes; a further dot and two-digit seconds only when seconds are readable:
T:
3.06
